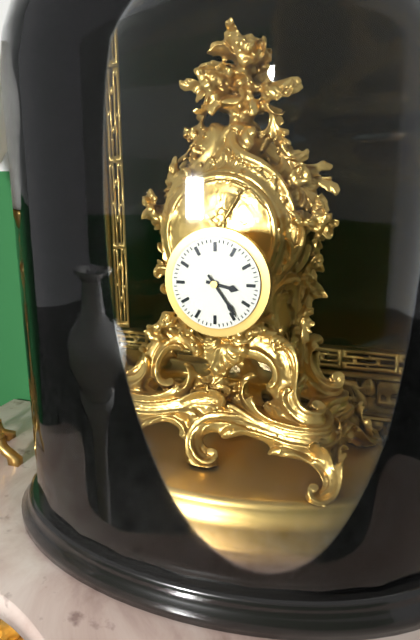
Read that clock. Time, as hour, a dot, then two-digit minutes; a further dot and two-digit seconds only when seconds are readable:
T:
3.24
